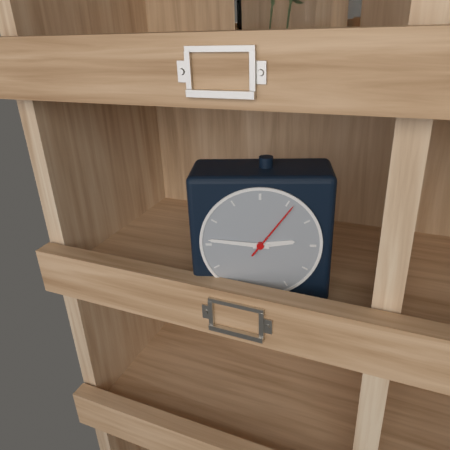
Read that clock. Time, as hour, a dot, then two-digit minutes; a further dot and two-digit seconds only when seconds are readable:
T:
2.46.06
